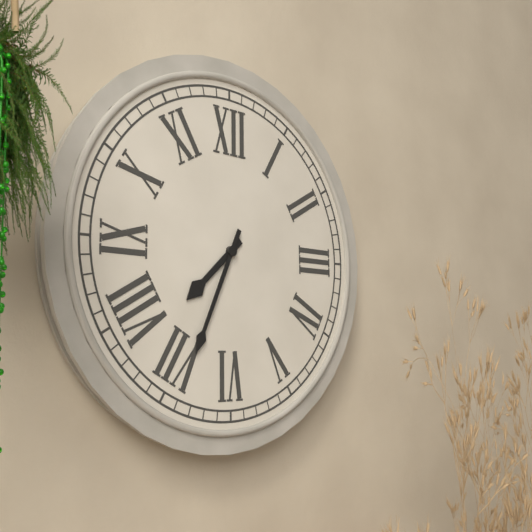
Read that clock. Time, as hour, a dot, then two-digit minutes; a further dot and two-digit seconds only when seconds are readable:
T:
7.34
